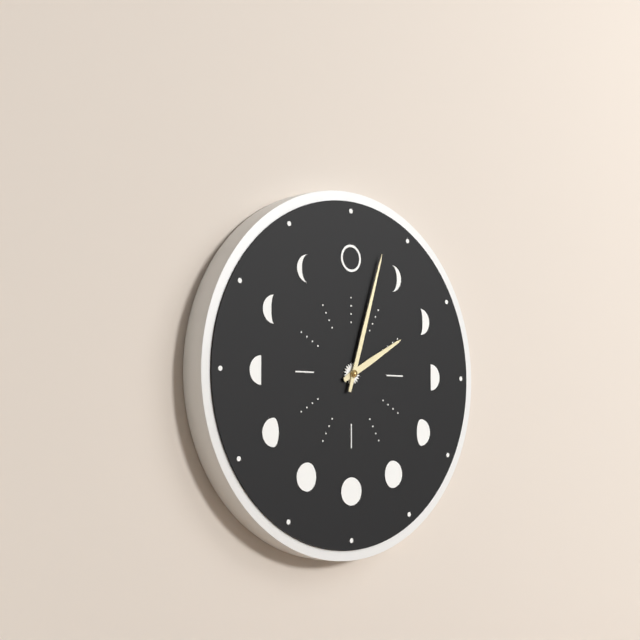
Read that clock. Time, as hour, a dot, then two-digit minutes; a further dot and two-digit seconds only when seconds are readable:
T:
2.03
